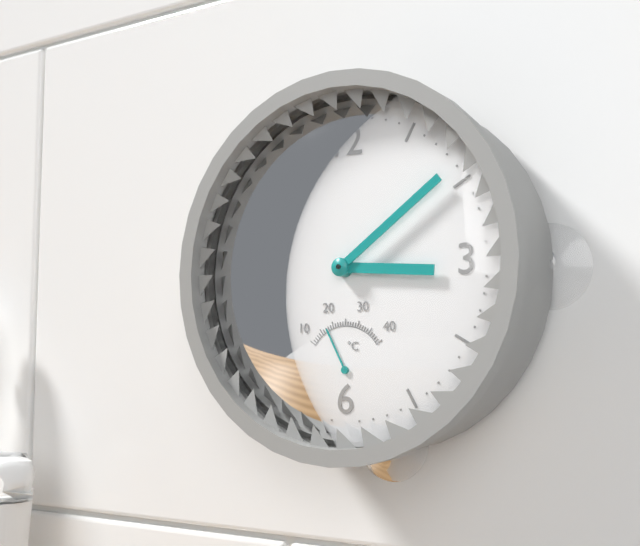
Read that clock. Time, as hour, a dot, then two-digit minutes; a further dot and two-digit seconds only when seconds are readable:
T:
3.09
